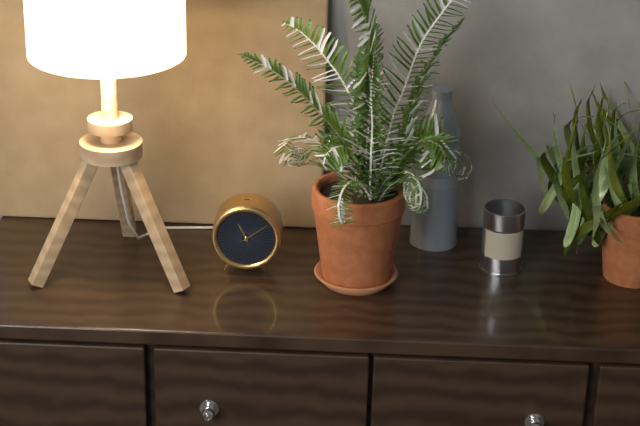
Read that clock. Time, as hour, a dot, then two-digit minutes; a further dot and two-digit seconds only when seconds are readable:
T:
11.09
